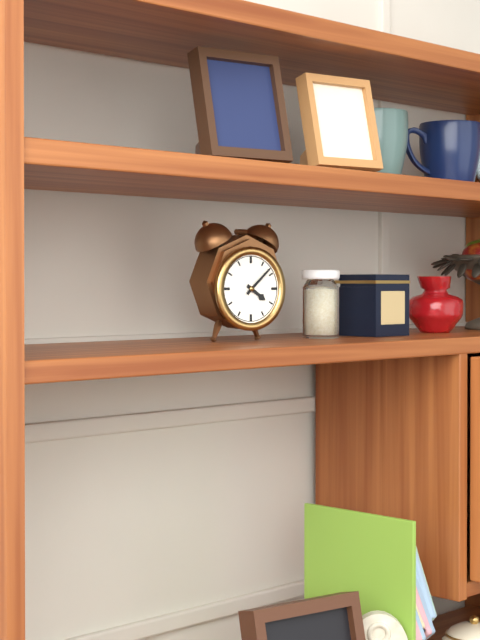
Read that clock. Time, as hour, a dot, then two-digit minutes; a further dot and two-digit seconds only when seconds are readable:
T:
4.08
